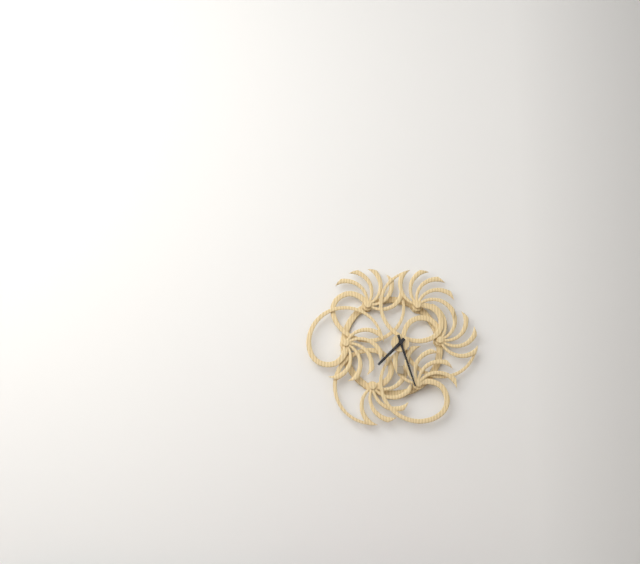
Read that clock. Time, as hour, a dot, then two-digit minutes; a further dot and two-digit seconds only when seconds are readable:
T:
7.27
